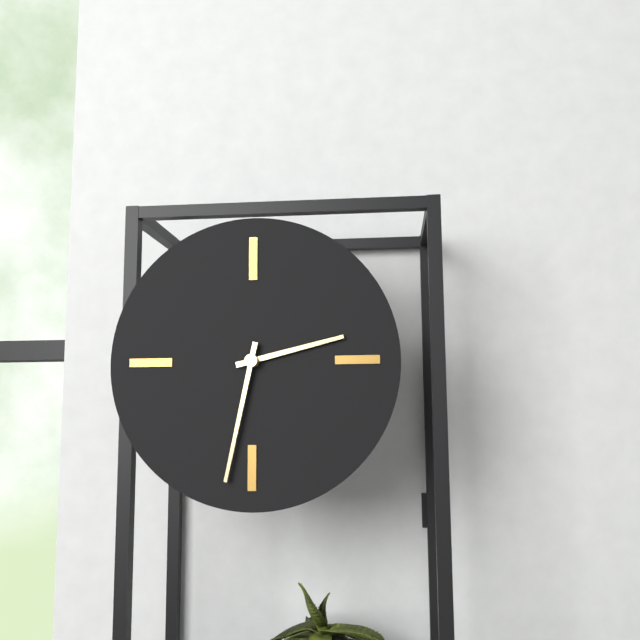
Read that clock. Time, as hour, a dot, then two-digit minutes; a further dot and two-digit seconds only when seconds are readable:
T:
2.32
